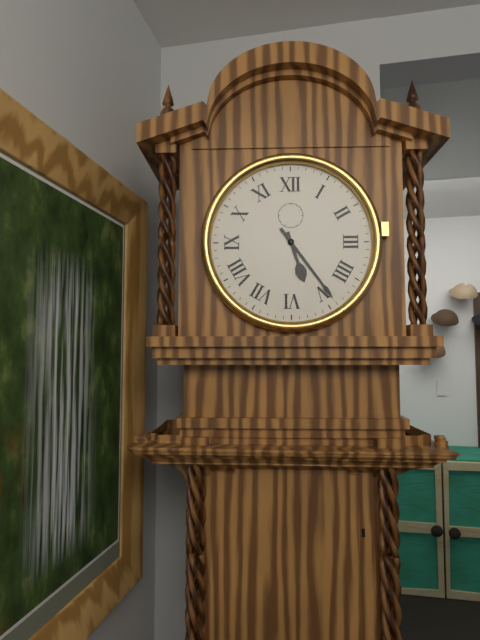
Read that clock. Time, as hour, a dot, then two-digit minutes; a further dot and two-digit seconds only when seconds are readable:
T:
5.24
